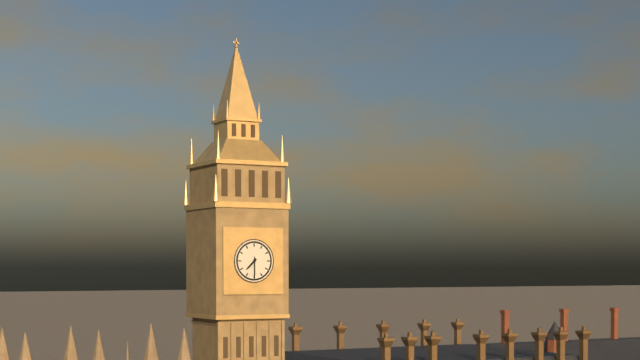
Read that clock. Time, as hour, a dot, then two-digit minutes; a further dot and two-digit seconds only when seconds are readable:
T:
7.30
